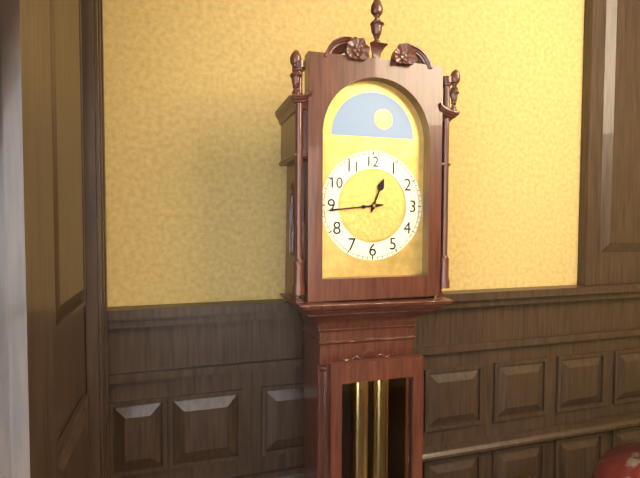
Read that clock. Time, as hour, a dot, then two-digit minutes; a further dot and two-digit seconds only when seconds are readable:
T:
12.44
